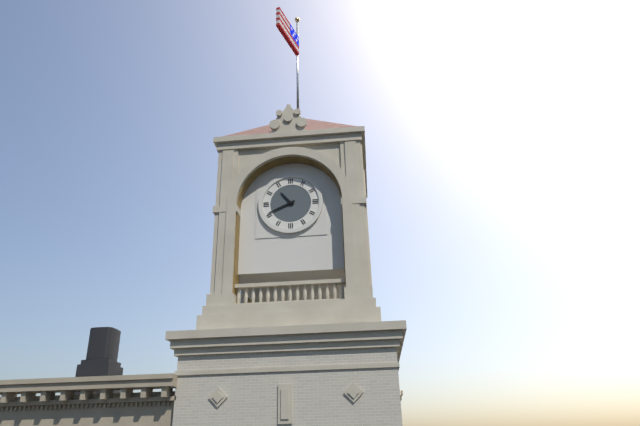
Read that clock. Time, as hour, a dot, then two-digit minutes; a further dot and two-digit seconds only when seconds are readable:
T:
10.41
